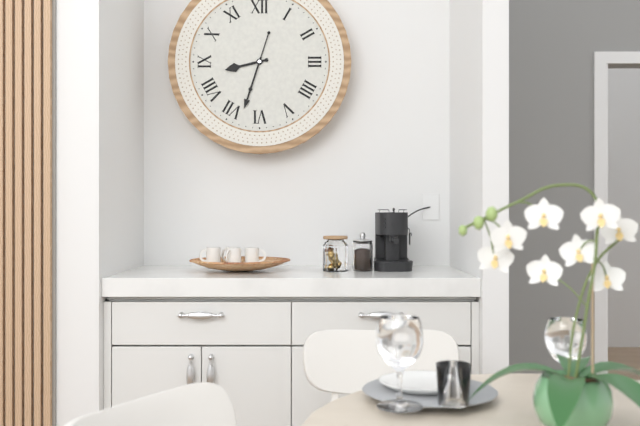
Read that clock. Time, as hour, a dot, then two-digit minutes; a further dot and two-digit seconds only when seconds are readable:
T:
8.33
